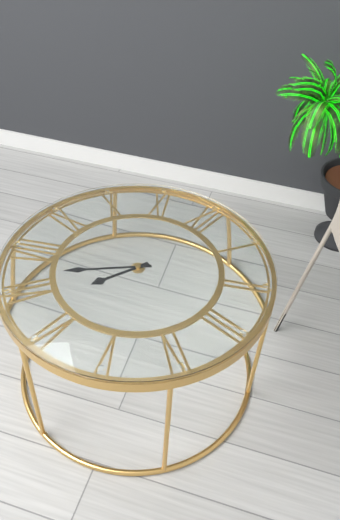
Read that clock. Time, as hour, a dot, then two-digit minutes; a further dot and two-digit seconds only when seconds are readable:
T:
6.37
